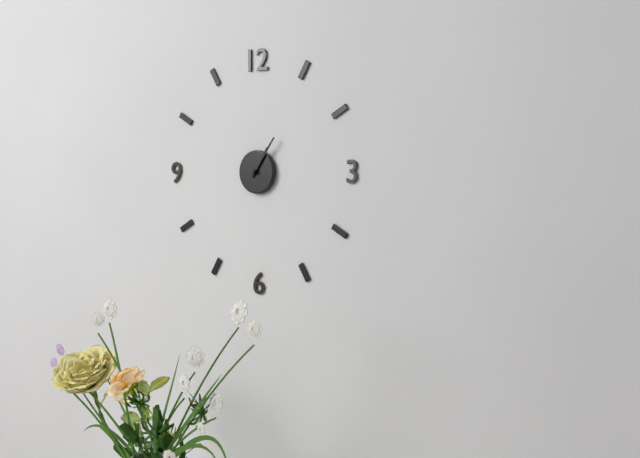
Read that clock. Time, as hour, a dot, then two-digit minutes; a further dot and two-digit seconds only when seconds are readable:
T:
1.06
